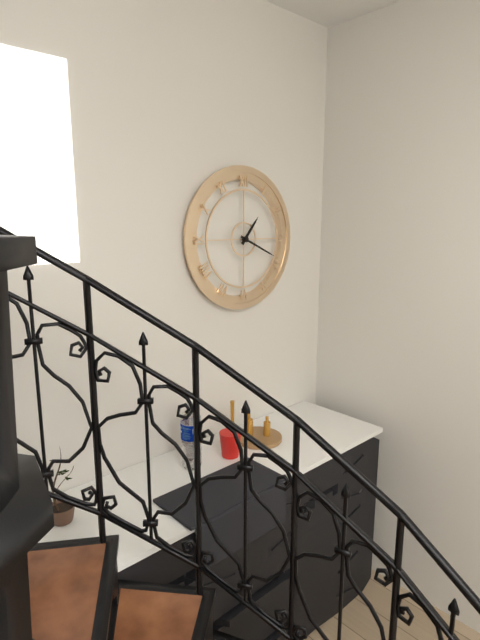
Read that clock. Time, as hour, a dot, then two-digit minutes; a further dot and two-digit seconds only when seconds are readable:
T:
1.19
